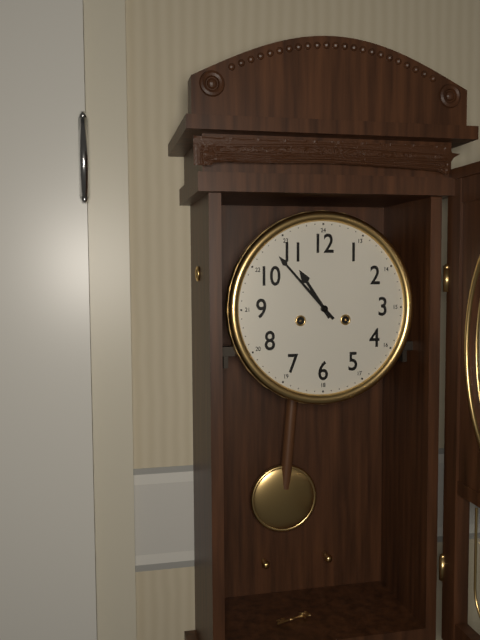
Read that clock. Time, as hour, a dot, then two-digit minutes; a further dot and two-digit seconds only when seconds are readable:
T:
10.53
